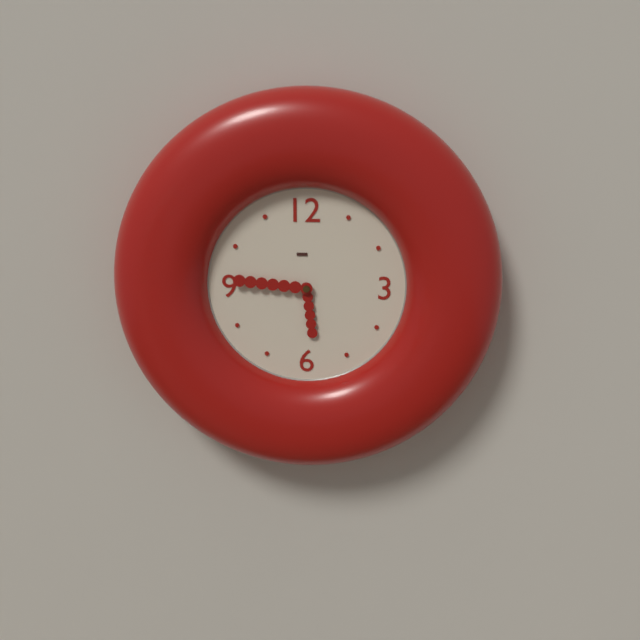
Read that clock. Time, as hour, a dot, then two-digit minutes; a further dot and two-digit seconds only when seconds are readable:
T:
5.46
